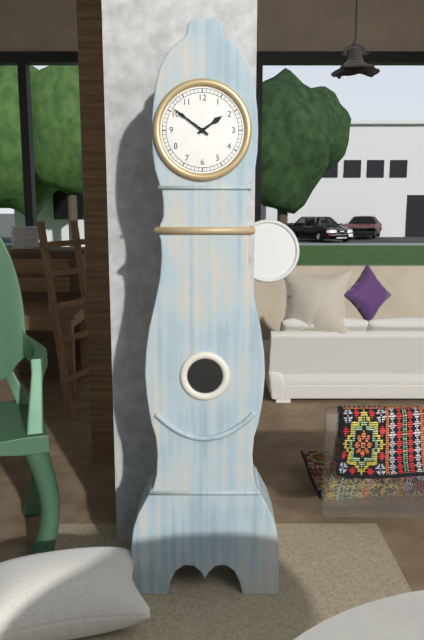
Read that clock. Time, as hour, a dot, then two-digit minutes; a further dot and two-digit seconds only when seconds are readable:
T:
1.51
